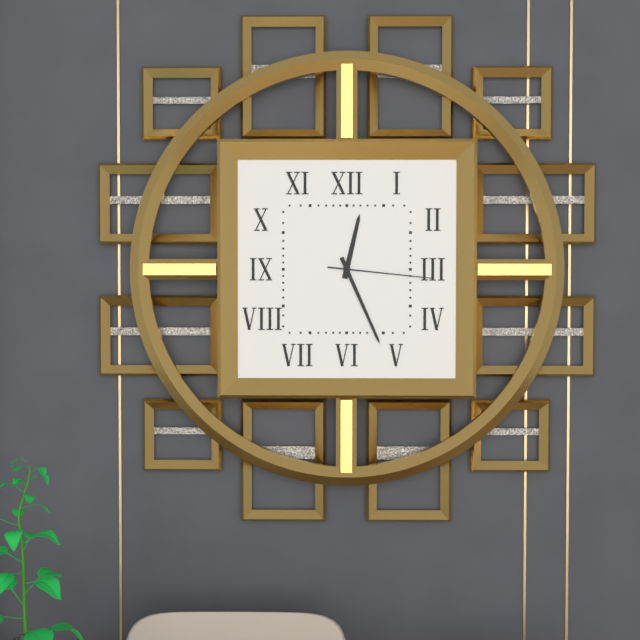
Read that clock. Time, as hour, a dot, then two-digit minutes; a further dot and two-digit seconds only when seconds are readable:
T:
12.26.16
